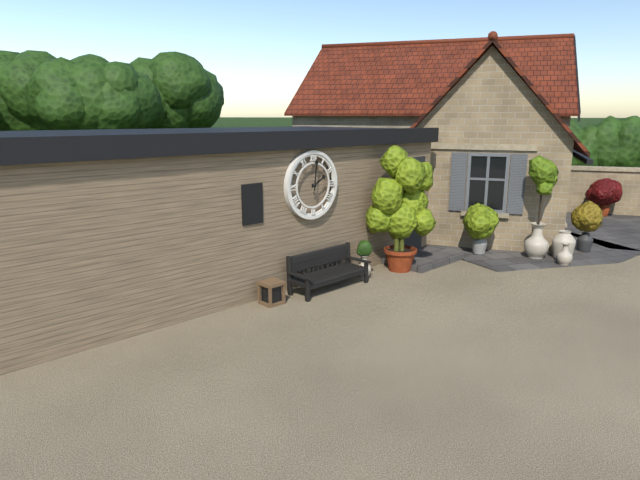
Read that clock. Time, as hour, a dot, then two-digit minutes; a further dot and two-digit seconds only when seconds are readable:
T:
2.01
